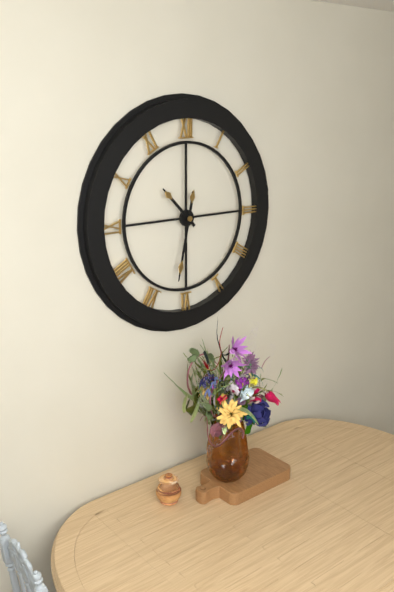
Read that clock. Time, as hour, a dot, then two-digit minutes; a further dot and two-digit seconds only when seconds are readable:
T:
10.32
